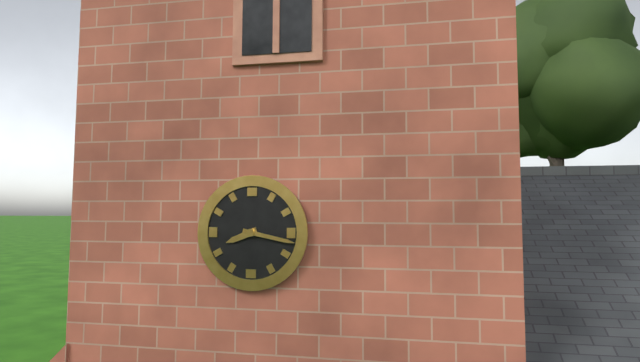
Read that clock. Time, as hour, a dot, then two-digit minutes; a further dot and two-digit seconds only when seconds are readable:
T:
8.17
